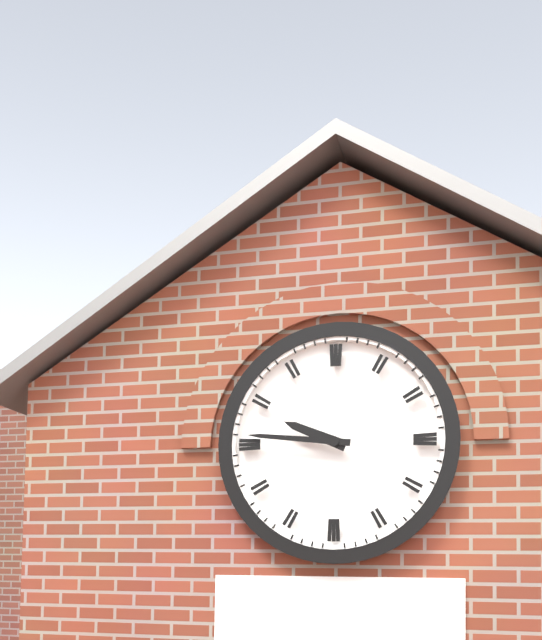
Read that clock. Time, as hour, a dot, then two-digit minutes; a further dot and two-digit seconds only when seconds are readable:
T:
9.46
